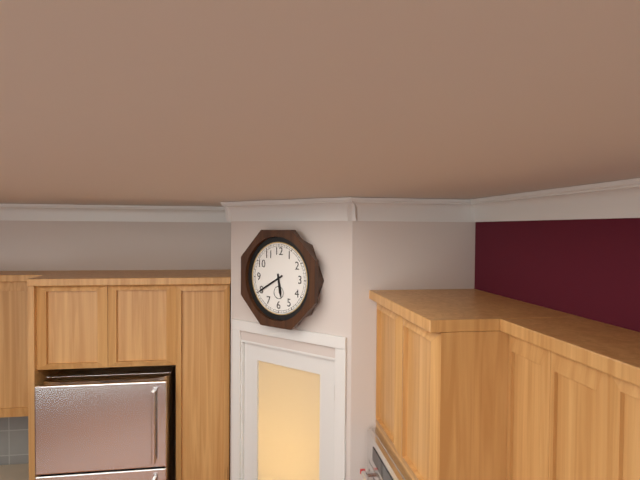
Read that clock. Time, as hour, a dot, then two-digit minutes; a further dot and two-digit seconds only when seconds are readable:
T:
5.40
